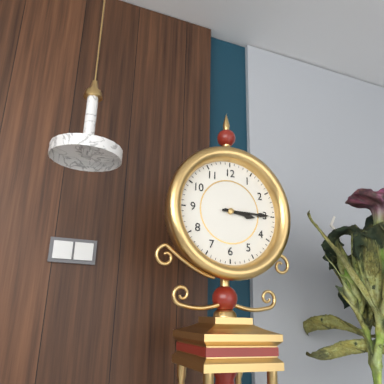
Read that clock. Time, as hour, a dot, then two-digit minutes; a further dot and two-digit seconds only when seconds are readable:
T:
3.15
